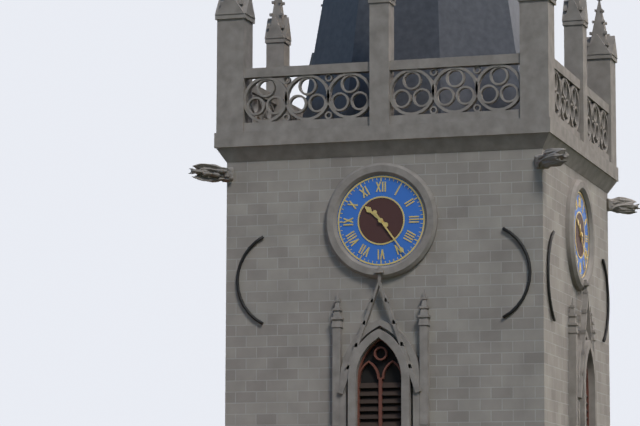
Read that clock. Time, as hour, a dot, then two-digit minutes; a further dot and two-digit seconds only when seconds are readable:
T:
10.24
